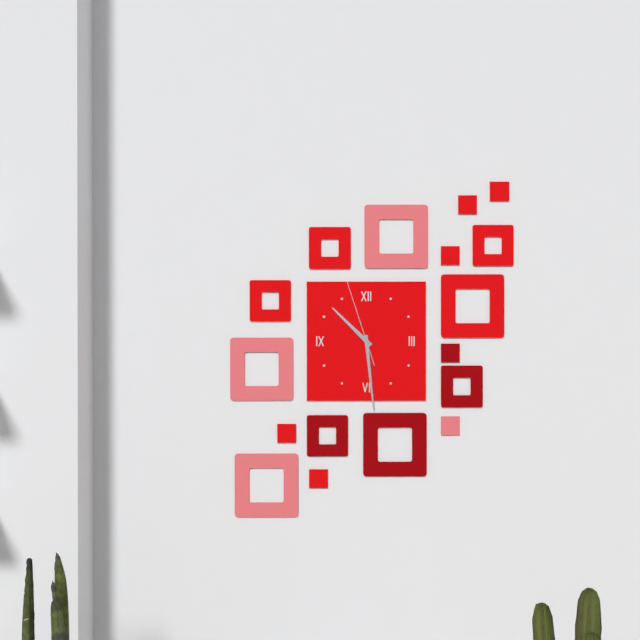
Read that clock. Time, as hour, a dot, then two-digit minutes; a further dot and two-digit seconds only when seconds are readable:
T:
10.29.57
